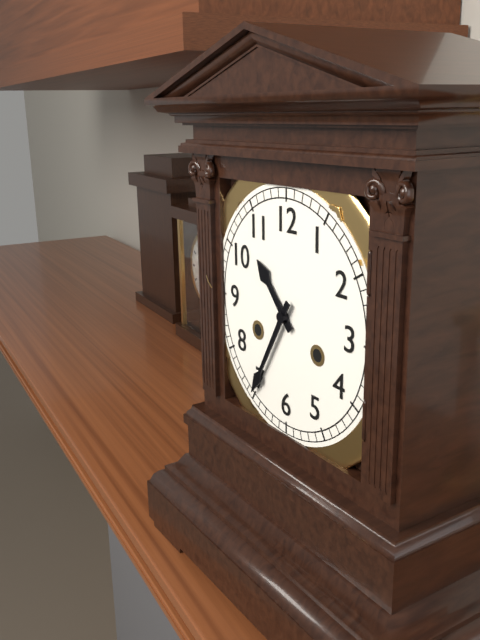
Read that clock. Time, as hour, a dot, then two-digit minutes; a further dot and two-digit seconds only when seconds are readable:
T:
10.35
